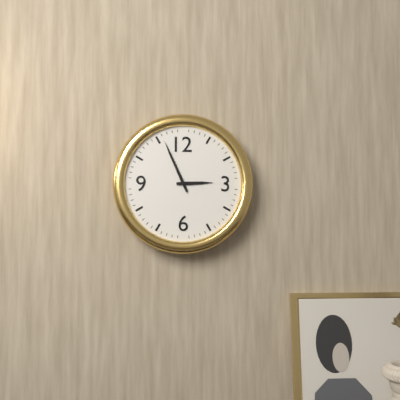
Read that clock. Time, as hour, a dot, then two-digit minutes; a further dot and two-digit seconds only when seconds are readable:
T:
2.56
